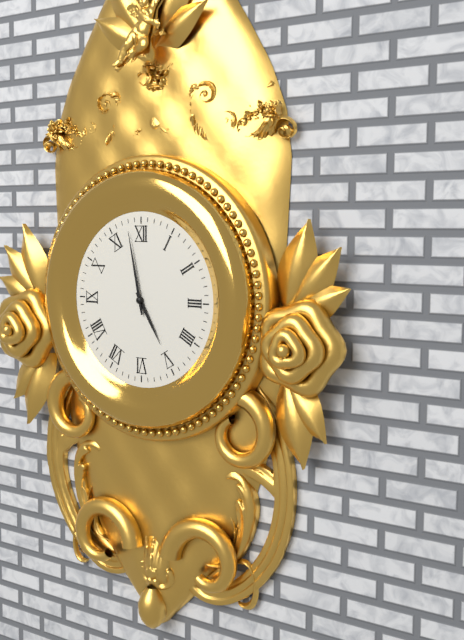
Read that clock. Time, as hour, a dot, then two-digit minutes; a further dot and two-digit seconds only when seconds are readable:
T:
4.58
